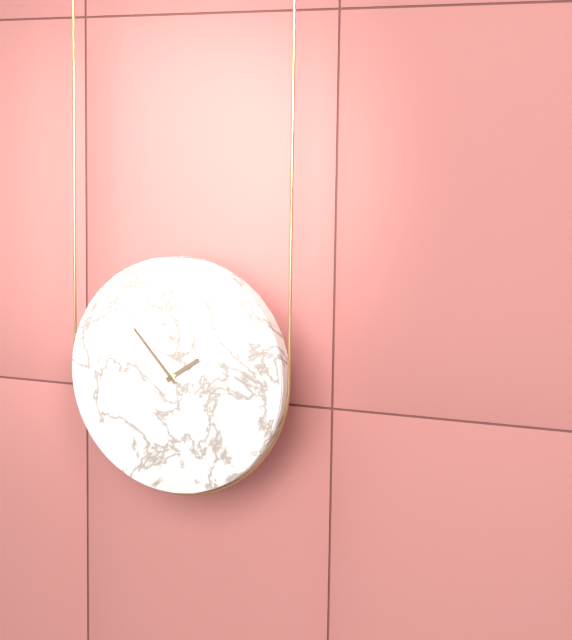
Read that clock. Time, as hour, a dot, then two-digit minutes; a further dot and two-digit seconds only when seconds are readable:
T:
1.53
